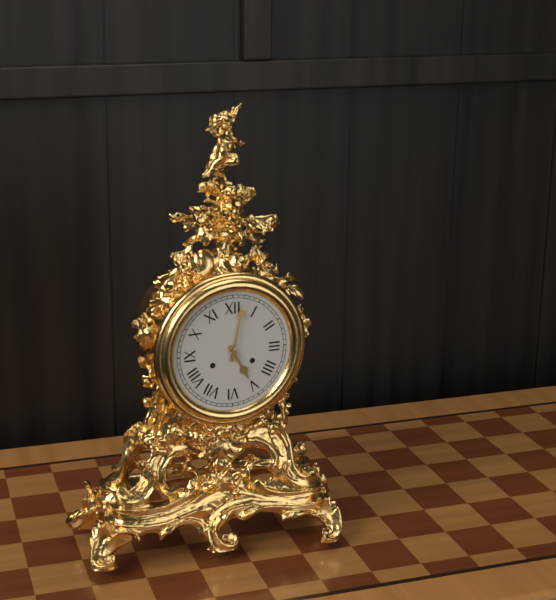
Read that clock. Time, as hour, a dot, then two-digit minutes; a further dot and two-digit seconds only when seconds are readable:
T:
5.02
